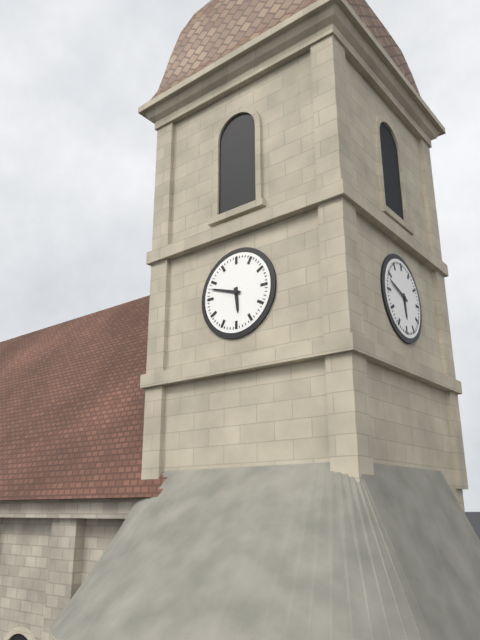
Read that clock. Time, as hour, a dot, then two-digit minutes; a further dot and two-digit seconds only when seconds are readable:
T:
5.48
